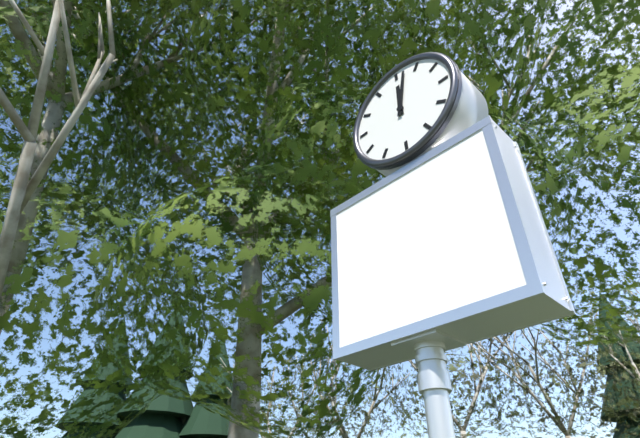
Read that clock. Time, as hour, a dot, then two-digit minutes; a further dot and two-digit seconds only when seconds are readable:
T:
12.02
